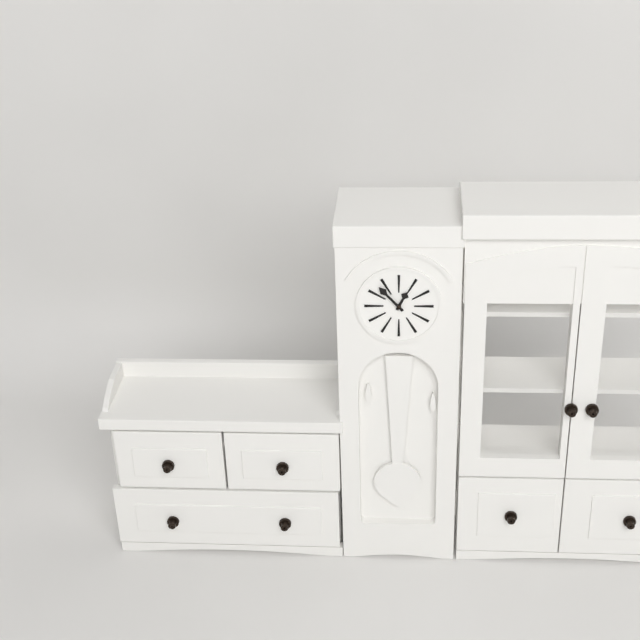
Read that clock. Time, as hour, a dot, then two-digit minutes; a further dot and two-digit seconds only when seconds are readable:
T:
12.53
